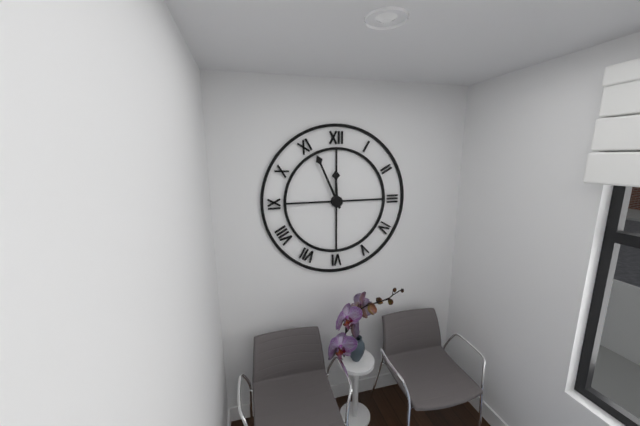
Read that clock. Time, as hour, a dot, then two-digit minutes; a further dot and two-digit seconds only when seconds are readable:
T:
11.56
